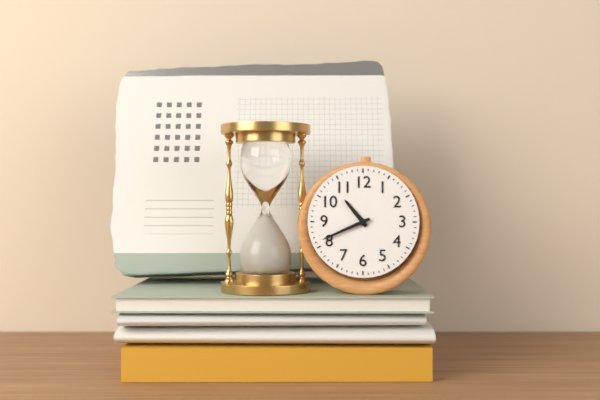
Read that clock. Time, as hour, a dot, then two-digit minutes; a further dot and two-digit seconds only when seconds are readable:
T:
10.41
